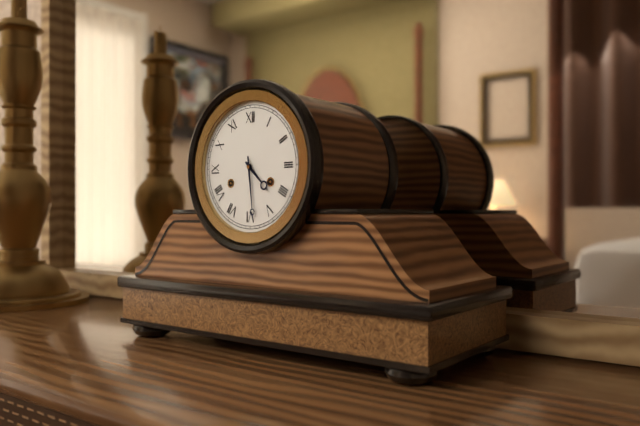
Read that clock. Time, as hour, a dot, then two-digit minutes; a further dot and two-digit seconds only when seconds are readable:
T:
4.29
